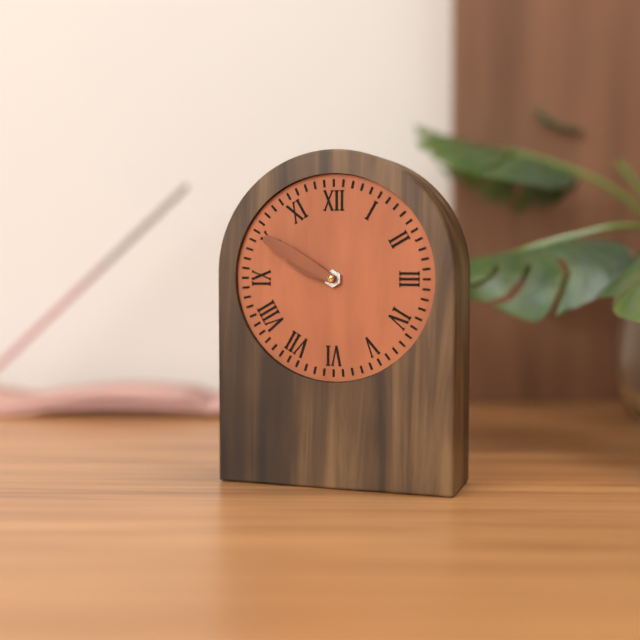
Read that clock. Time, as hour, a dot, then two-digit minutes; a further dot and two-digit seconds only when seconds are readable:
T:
9.50
